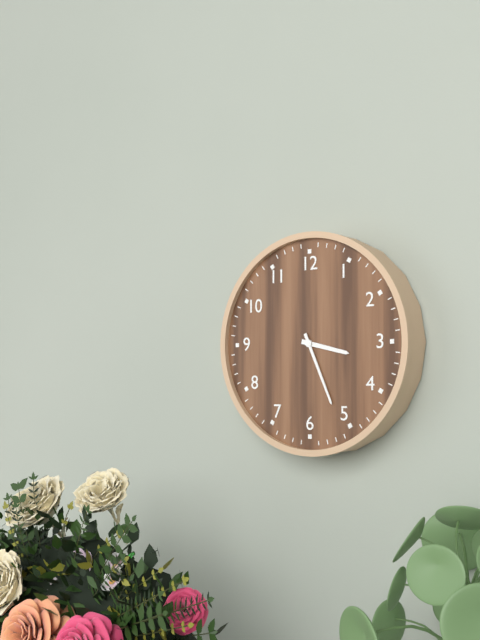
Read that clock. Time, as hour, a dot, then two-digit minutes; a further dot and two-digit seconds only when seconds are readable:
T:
3.26
